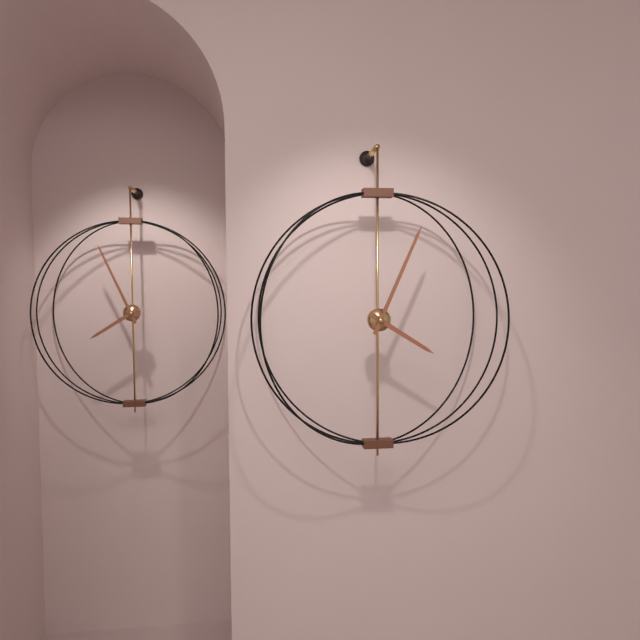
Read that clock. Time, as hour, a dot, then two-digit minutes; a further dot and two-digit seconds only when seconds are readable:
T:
4.04
